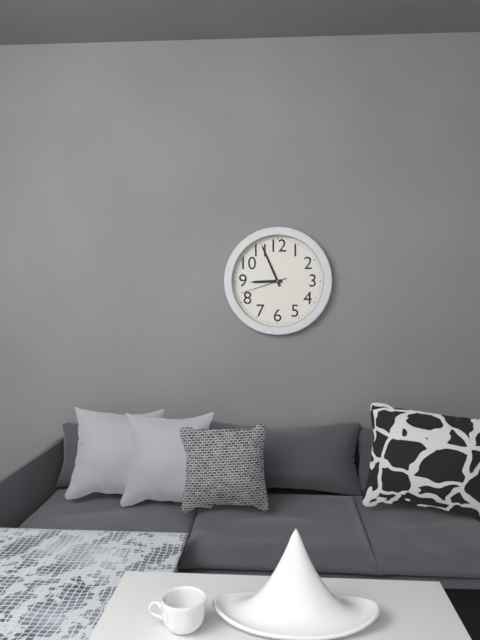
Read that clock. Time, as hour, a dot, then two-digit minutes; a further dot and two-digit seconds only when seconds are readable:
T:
8.56
